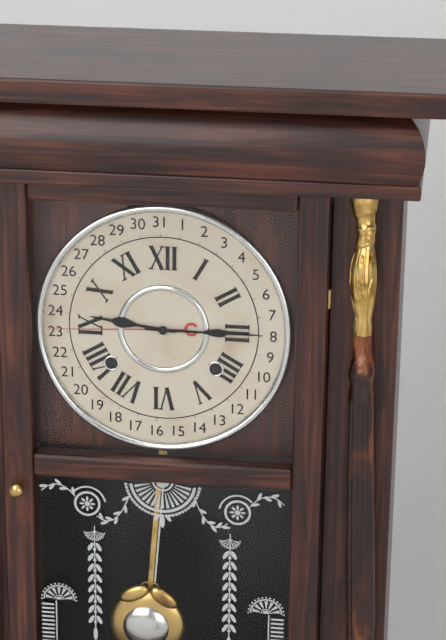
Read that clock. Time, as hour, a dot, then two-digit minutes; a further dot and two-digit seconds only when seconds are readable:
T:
9.15
